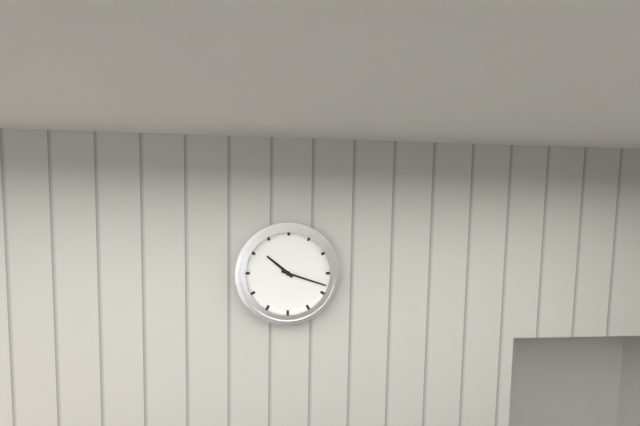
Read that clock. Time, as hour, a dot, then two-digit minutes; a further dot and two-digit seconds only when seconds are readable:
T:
10.18
